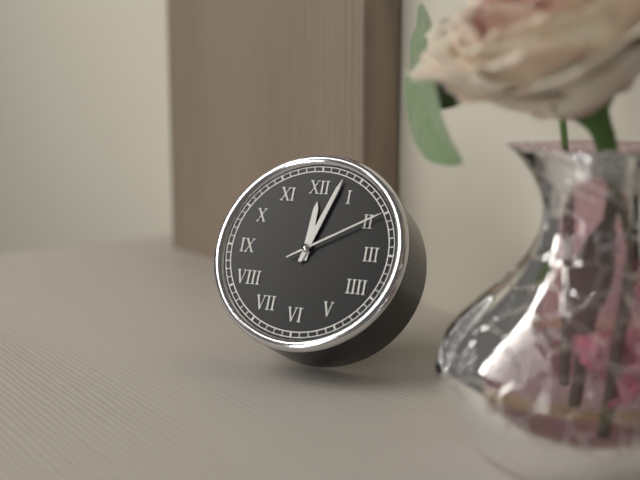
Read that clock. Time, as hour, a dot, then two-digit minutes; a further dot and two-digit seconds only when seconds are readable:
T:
12.03.10
